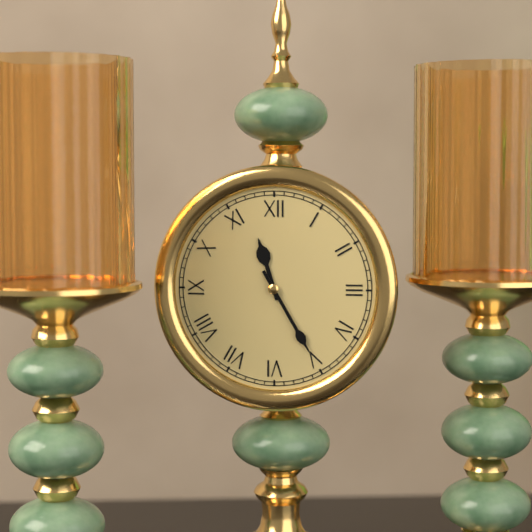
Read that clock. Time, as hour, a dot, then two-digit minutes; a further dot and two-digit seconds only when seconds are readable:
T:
11.25
